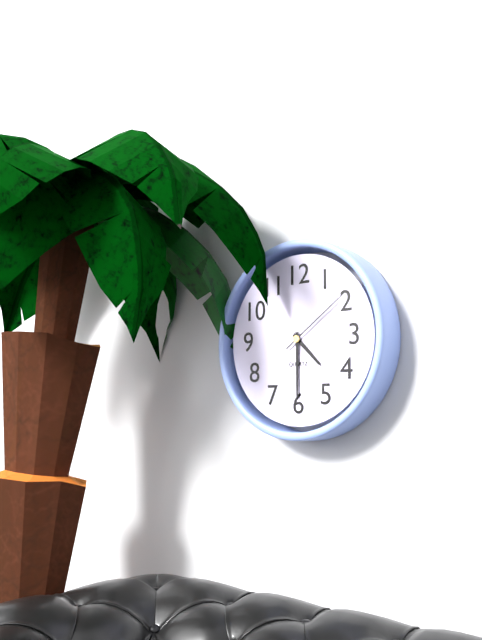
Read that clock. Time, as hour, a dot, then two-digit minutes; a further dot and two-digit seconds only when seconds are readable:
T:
4.30.09
